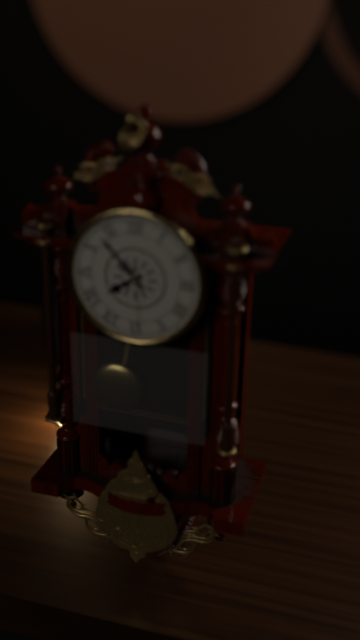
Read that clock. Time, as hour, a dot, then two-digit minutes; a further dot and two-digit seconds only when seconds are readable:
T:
7.53.29
